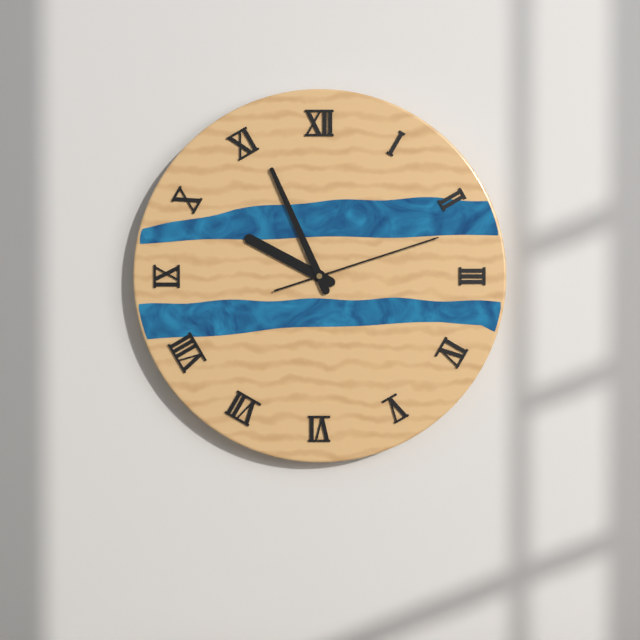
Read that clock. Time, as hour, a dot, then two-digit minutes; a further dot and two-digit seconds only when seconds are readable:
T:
9.56.12
